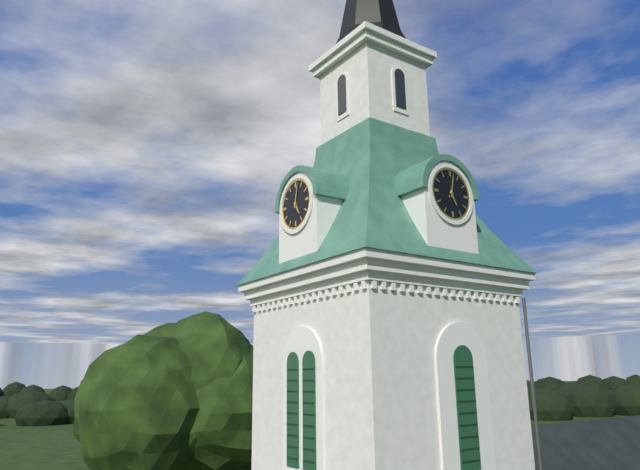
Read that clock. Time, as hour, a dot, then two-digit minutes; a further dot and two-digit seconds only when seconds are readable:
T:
5.02
